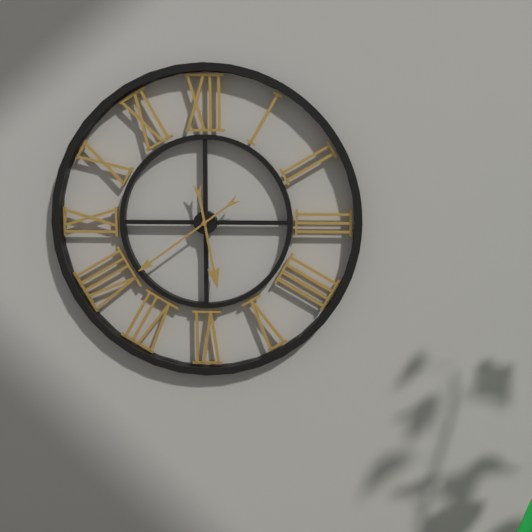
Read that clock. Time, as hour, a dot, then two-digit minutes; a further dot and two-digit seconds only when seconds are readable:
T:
5.39
